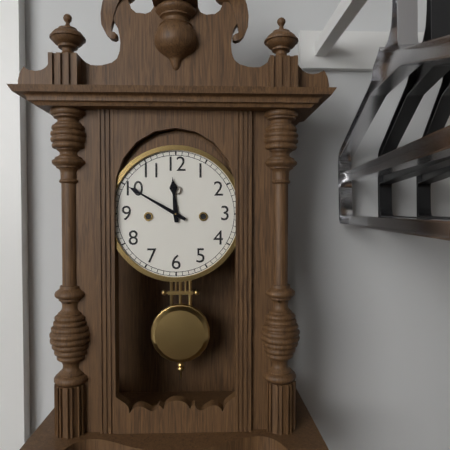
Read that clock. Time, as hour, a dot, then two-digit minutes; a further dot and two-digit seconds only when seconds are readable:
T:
11.50
